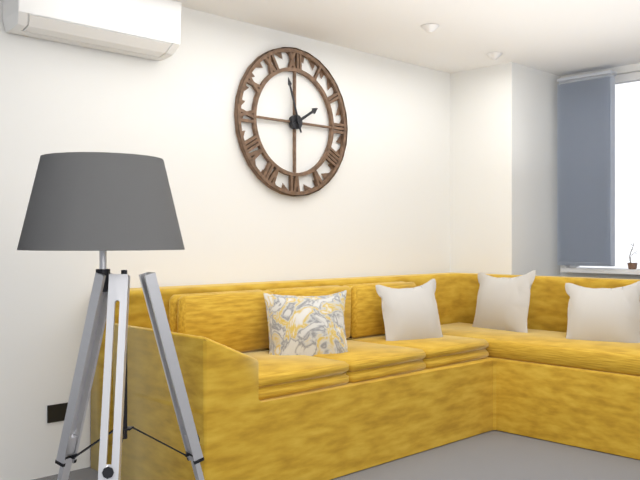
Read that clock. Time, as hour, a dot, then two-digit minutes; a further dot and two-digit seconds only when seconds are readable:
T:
1.57
